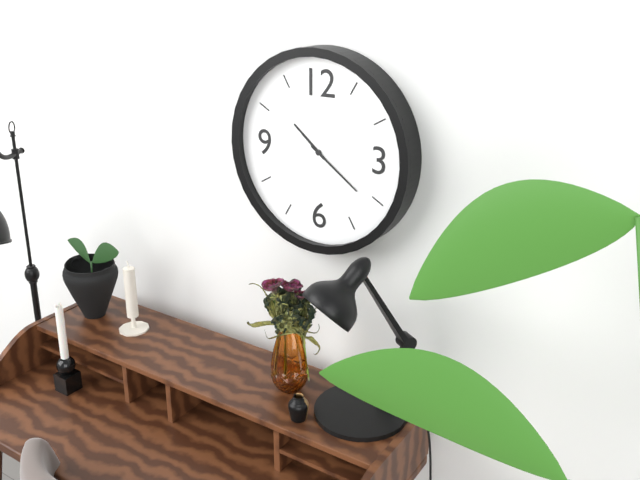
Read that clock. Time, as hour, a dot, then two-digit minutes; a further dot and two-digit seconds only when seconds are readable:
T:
10.21
